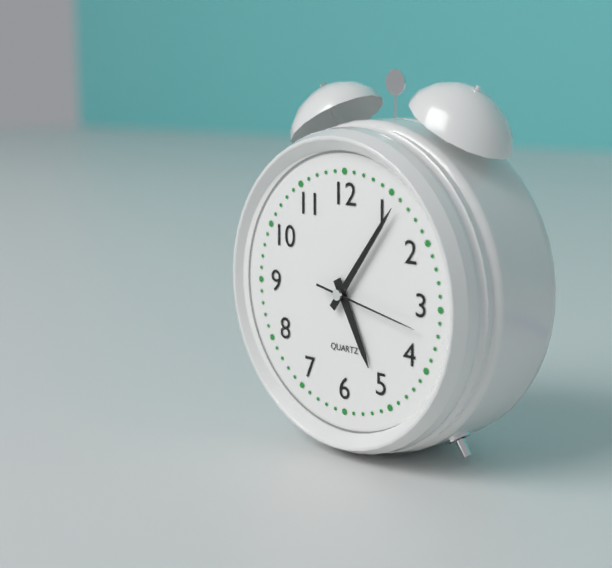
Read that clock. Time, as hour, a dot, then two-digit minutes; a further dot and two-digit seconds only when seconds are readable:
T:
5.06.17
